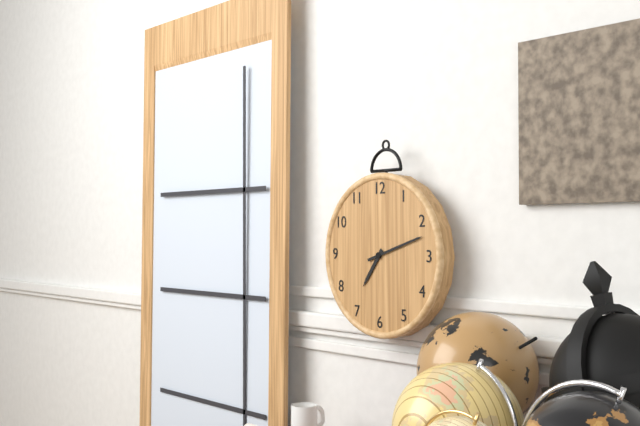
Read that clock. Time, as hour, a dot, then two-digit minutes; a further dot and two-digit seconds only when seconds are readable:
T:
7.12
